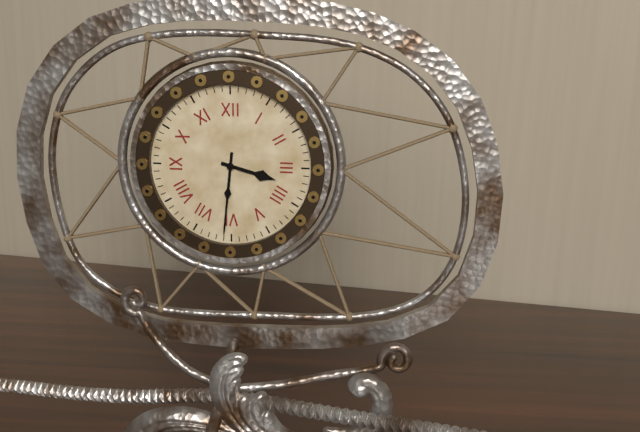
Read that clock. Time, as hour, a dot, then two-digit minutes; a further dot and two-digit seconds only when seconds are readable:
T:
3.31
